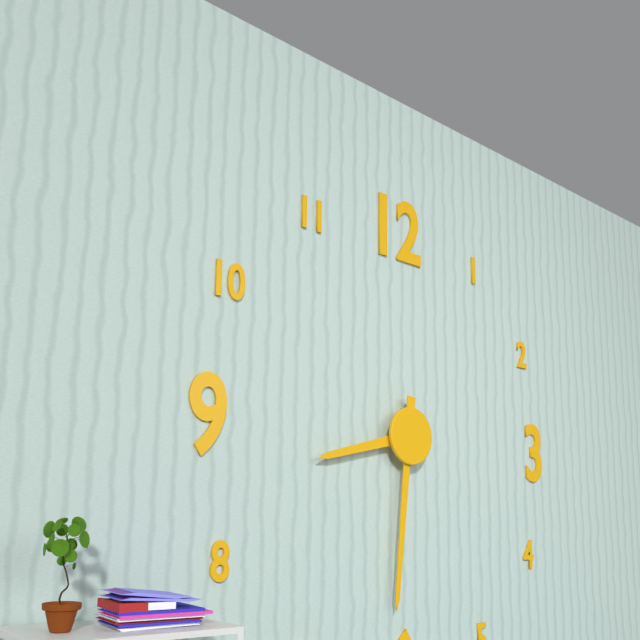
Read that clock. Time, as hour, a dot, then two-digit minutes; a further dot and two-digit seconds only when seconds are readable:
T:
8.31
